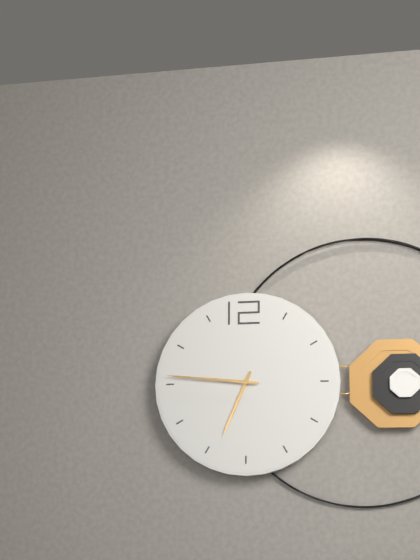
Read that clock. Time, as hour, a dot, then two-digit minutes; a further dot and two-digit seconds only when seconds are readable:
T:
6.46
